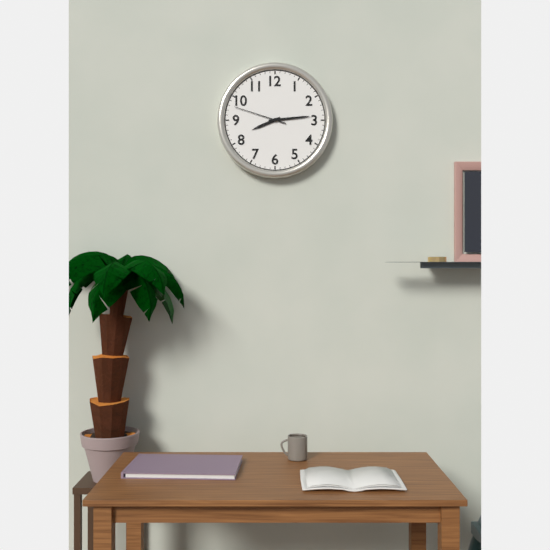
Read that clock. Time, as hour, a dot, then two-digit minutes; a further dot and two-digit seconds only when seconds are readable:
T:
8.14.48
